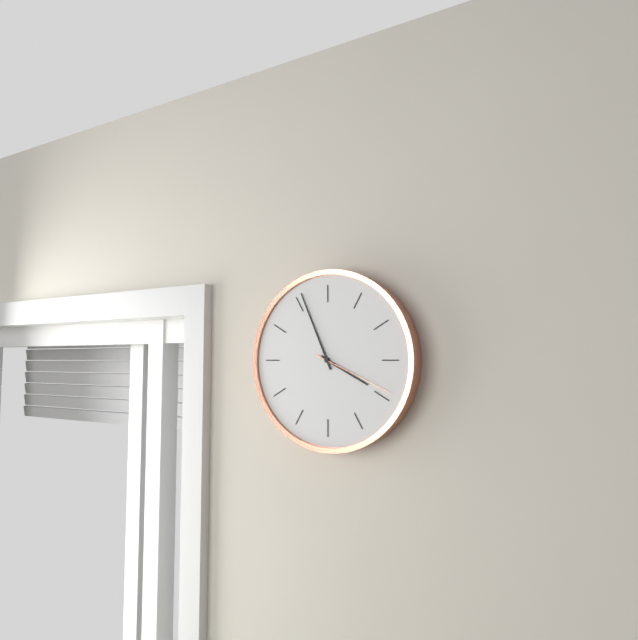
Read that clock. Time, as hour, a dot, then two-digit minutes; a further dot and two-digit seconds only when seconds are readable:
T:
3.56.19
